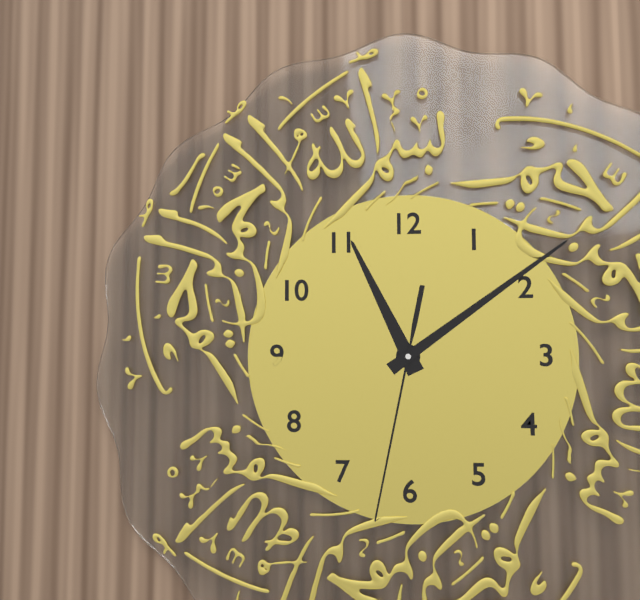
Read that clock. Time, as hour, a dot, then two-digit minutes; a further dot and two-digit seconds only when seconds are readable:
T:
11.09.32
